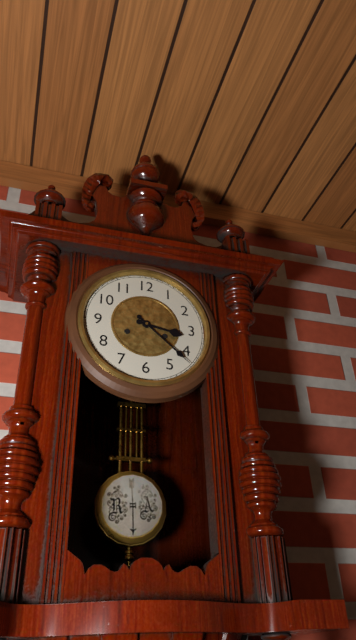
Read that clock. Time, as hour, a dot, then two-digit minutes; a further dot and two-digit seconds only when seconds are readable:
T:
3.22
